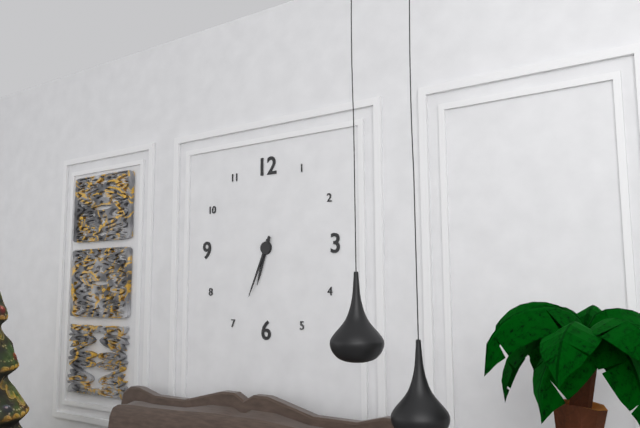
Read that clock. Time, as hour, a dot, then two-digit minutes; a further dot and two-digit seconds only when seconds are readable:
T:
6.34
